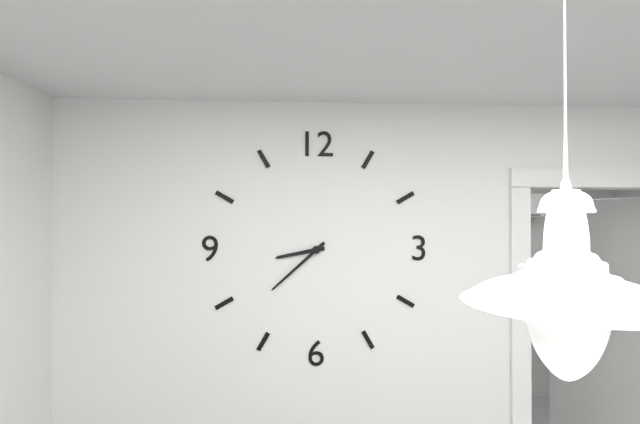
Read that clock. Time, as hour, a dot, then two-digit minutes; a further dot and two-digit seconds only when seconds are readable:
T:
8.38
